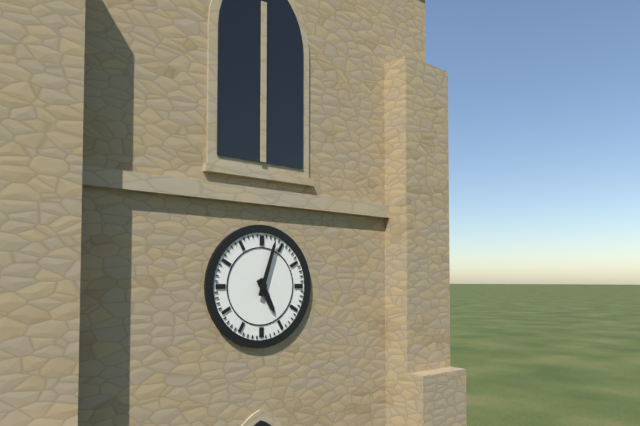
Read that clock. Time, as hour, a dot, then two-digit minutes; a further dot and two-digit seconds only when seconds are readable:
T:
5.03
